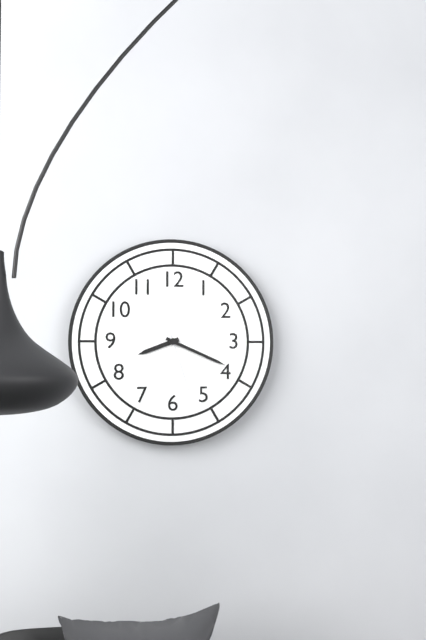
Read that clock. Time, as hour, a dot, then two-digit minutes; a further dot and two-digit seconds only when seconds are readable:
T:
8.19.27
